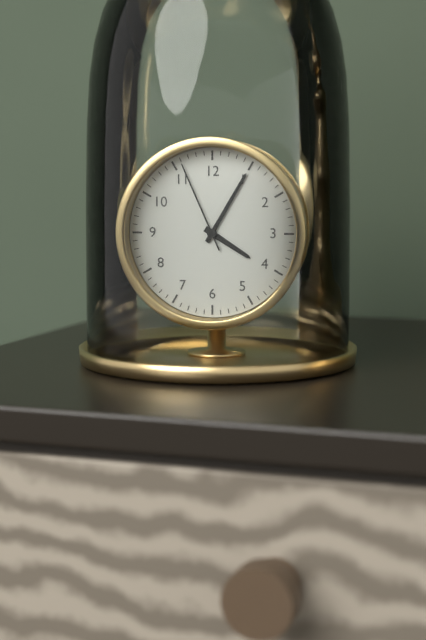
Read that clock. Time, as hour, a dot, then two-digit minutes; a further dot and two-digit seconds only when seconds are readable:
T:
4.05.56
